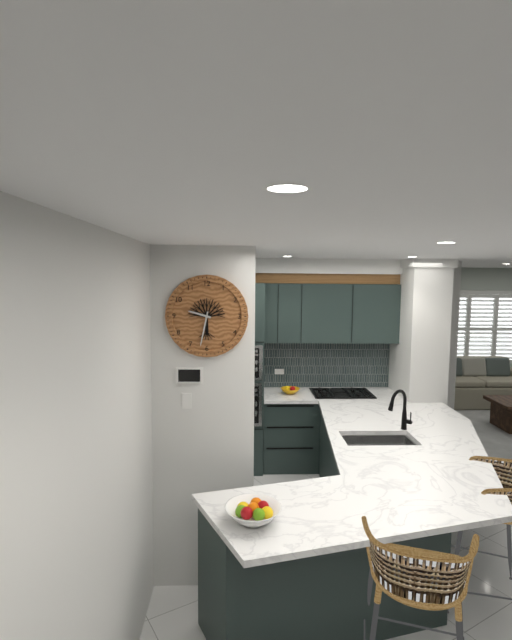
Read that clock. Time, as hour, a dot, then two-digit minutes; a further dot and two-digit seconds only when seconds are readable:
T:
9.32
